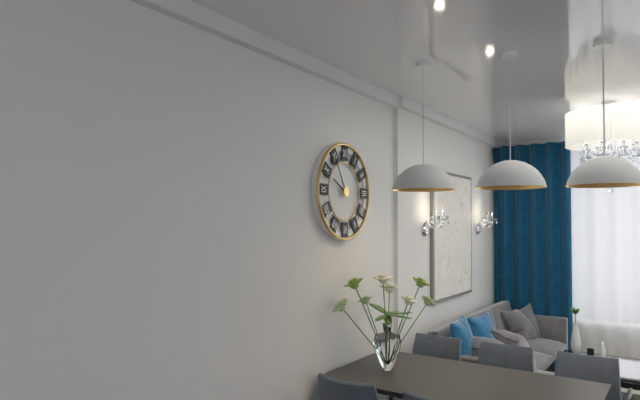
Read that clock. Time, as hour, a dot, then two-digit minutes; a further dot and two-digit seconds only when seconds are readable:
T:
9.55
